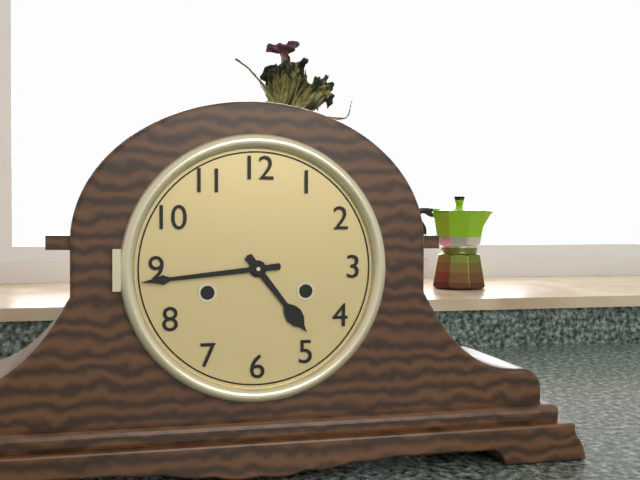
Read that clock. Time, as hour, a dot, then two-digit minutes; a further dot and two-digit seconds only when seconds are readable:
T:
4.44
